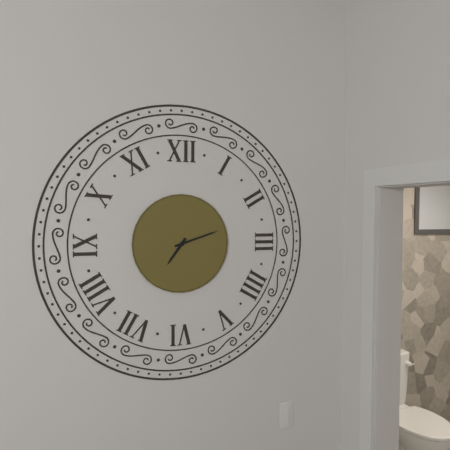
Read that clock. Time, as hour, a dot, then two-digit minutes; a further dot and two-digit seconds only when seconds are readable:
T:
7.12
